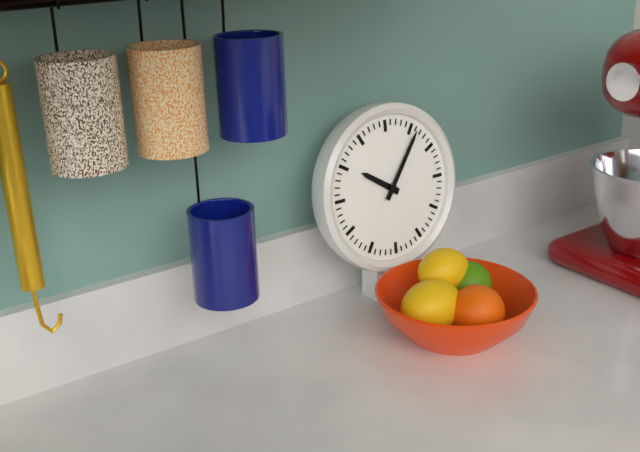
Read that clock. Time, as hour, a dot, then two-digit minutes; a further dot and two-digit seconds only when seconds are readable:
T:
10.06
